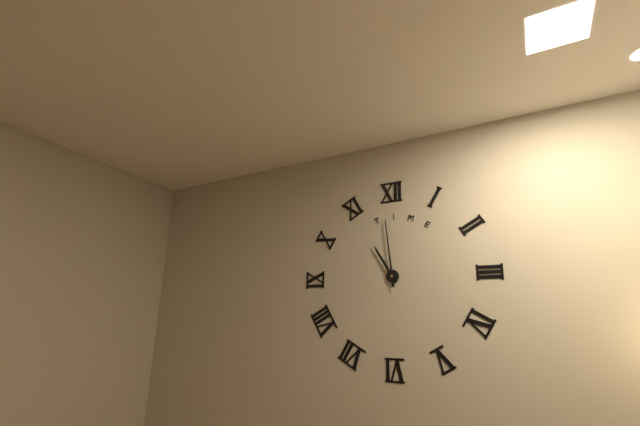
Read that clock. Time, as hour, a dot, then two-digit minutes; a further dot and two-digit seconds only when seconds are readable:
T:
10.59
